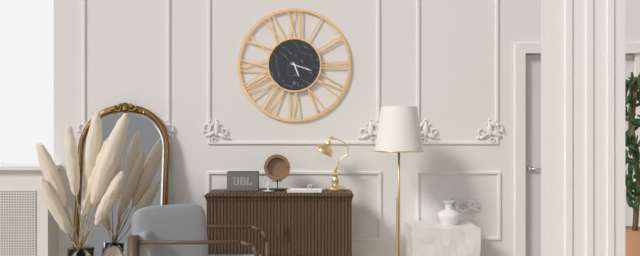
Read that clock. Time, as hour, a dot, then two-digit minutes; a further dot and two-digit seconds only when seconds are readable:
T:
5.18
